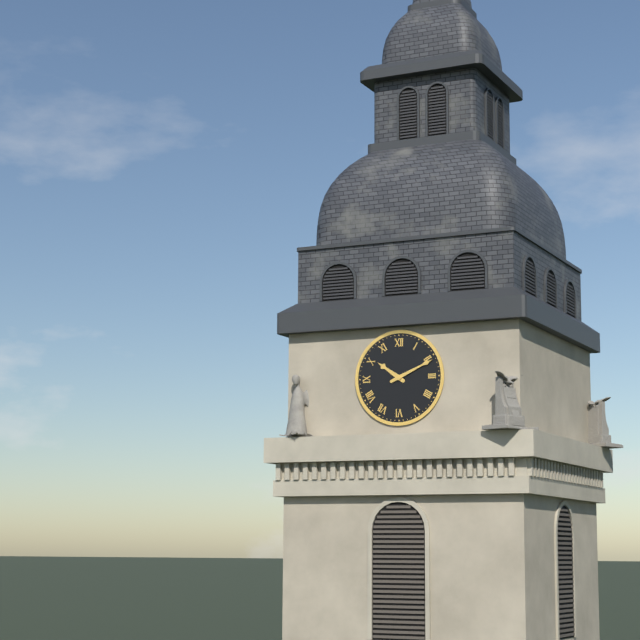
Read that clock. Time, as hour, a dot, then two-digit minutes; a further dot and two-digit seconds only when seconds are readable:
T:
10.11
